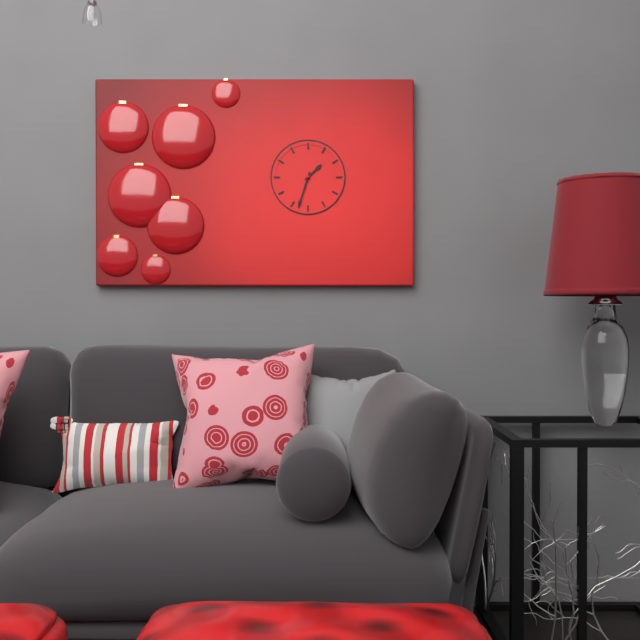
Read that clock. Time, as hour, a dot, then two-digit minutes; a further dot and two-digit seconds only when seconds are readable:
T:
1.33
